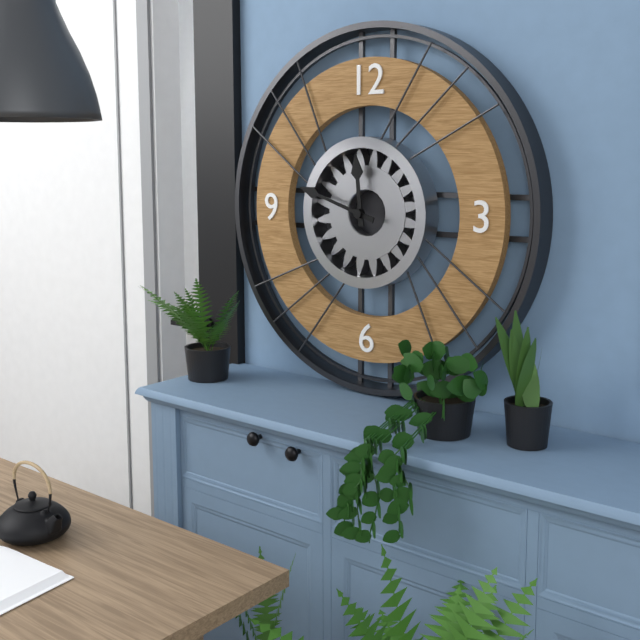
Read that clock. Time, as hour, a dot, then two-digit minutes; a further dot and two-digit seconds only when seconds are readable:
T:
11.48
